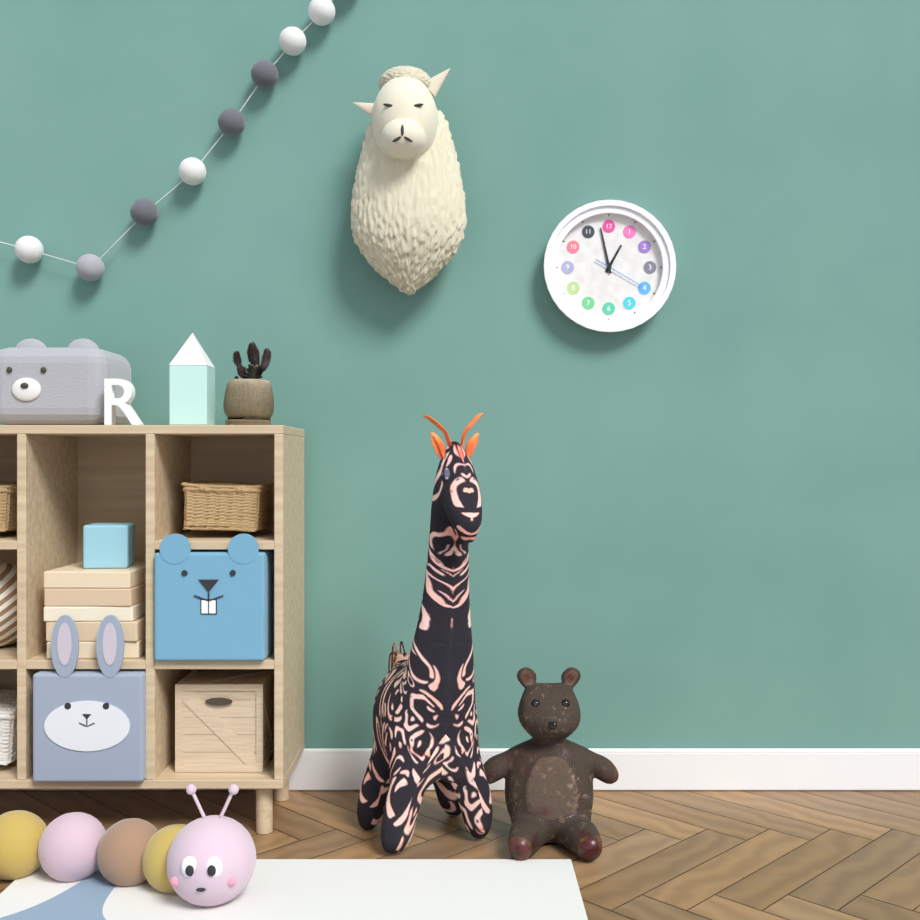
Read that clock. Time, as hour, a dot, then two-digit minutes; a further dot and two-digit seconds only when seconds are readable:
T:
12.58
